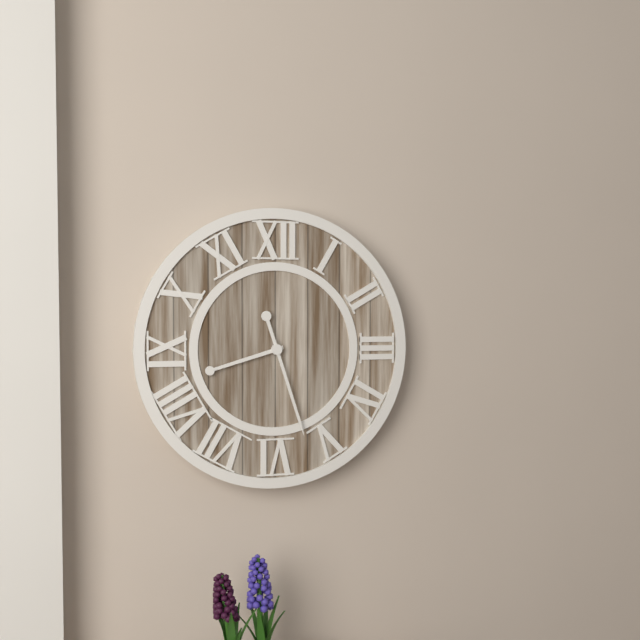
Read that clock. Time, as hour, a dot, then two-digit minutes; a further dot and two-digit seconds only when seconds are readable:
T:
8.27
